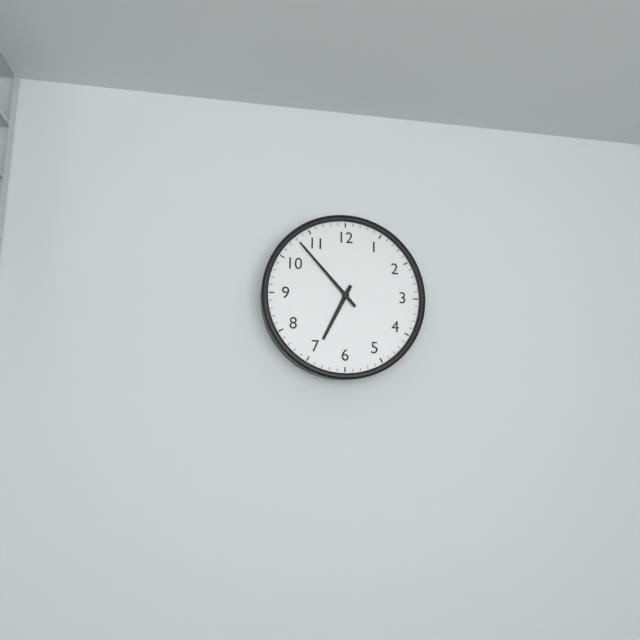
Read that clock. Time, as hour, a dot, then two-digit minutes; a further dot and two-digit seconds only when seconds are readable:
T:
6.53
